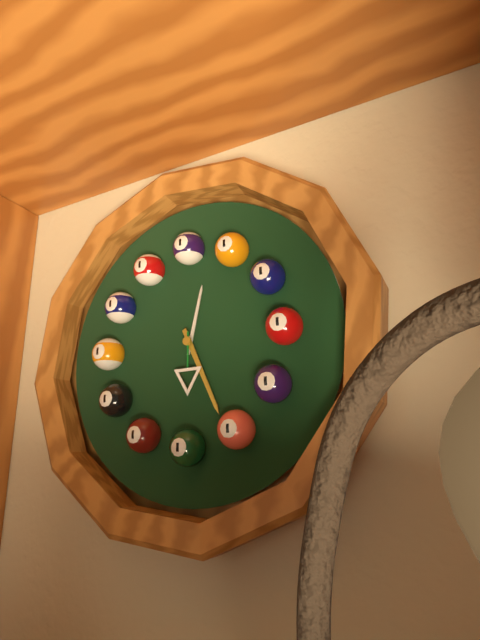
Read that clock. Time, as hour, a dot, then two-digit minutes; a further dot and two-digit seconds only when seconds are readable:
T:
12.26.30
